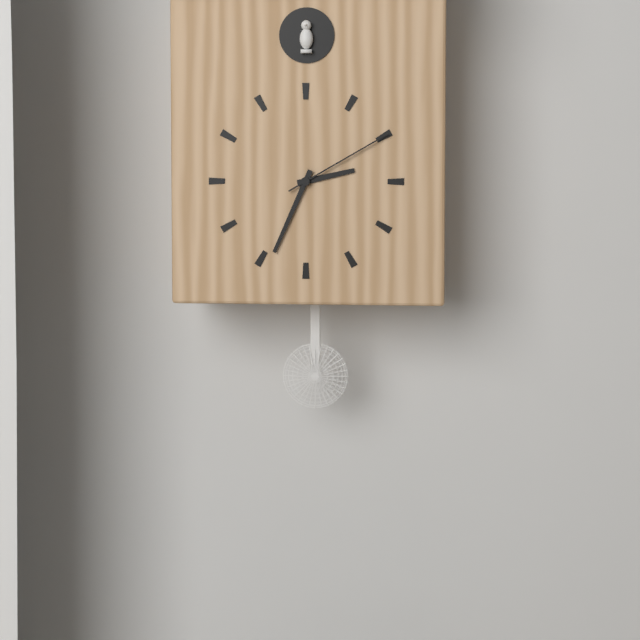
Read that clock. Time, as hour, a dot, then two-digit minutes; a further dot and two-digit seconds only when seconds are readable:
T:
2.34.10
